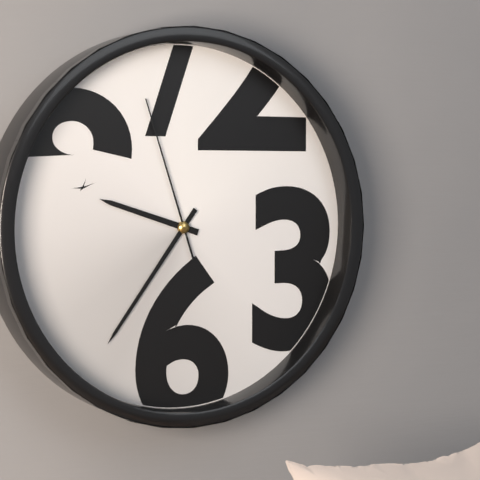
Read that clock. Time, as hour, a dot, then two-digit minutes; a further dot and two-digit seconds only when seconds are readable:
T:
9.36.57
